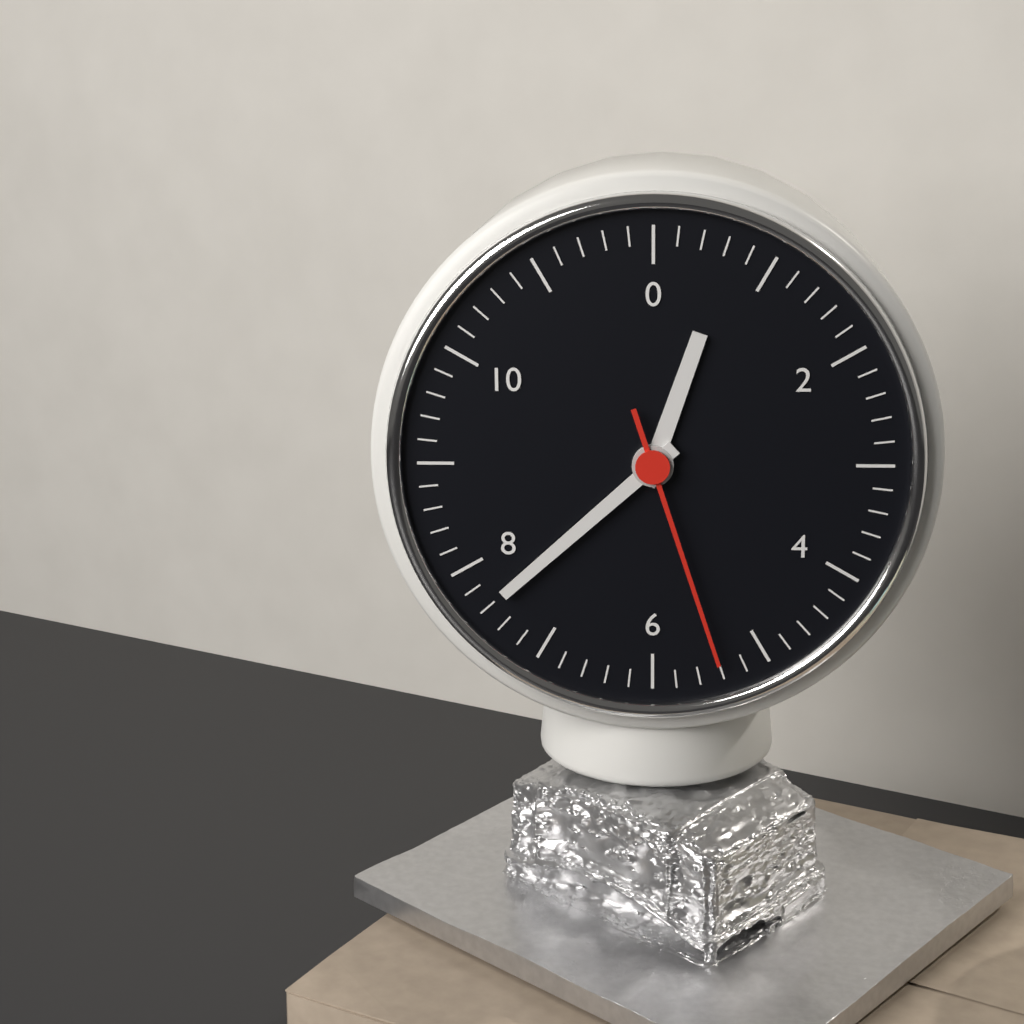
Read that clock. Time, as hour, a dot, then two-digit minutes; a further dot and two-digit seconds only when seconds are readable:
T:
12.38.27
